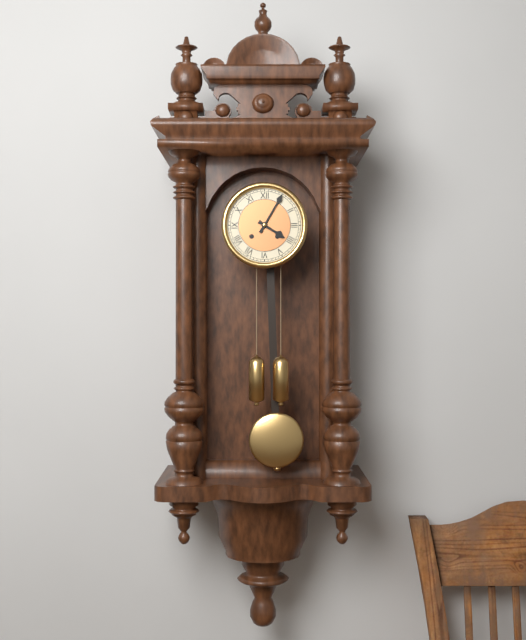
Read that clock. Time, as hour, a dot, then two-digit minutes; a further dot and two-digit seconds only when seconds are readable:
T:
4.05
